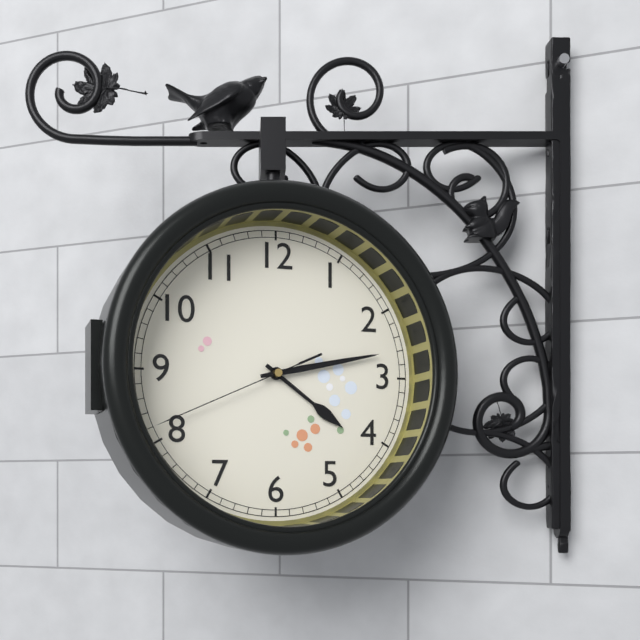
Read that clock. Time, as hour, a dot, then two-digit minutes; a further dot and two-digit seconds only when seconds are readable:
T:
4.13.41
